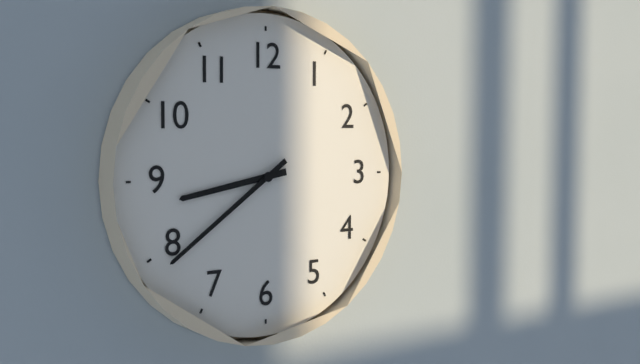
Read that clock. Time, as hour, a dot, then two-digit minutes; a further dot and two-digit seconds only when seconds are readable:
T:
8.39
